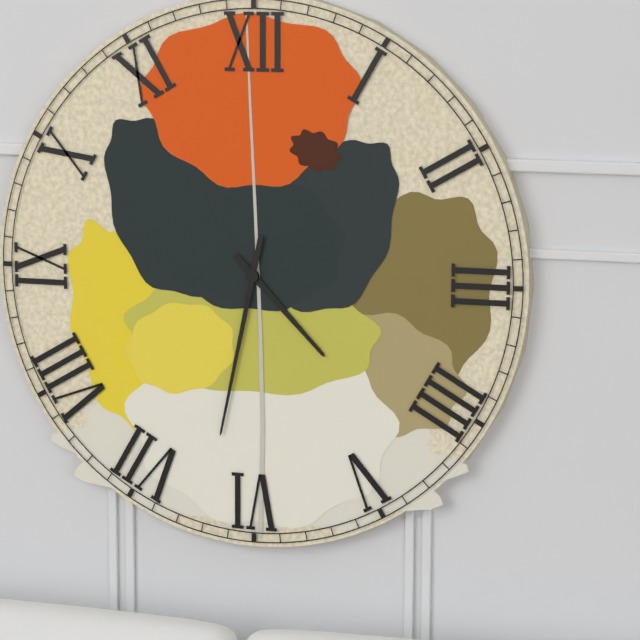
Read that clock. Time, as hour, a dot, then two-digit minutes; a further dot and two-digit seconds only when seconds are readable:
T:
4.32
